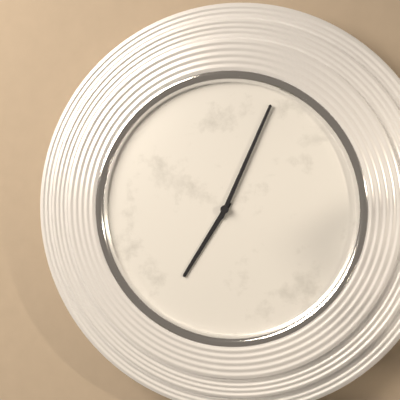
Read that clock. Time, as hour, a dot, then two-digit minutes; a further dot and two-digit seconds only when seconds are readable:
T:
7.04
